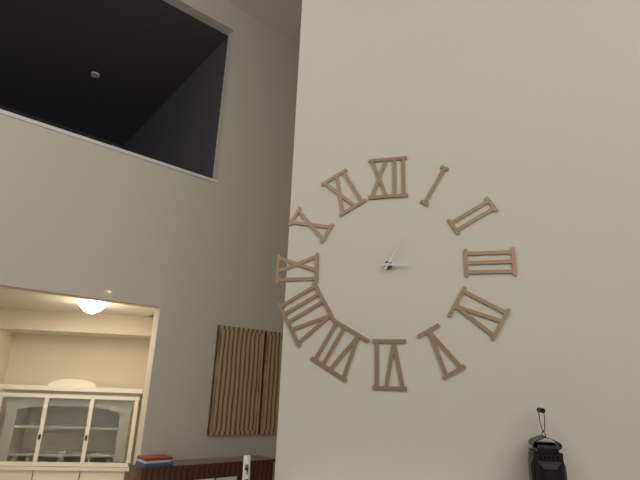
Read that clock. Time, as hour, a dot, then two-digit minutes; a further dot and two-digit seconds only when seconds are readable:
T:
3.05
